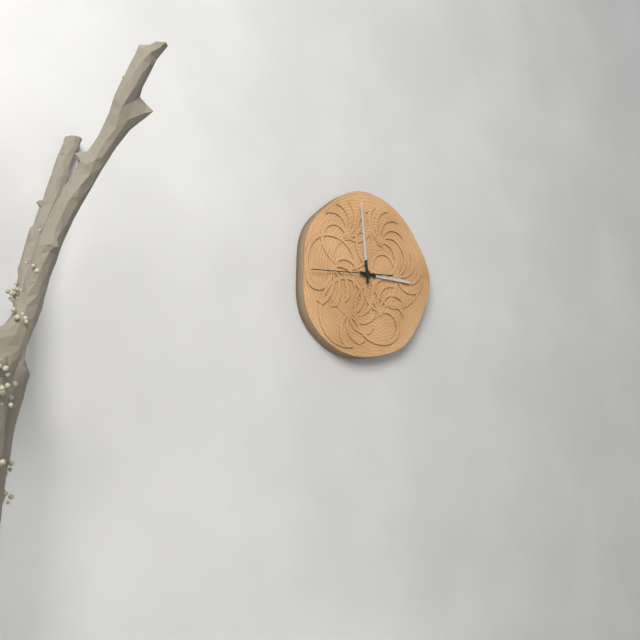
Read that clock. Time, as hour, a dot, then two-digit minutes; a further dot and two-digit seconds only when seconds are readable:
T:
2.59.44
